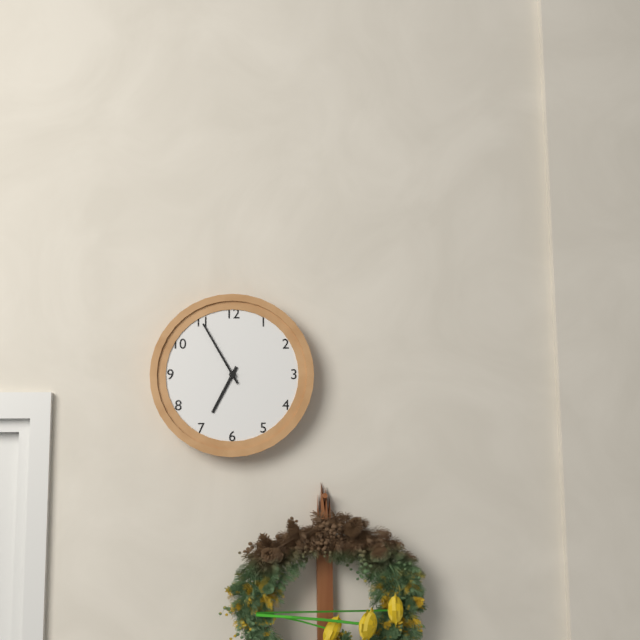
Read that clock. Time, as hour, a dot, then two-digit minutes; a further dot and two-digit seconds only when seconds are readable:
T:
6.55
